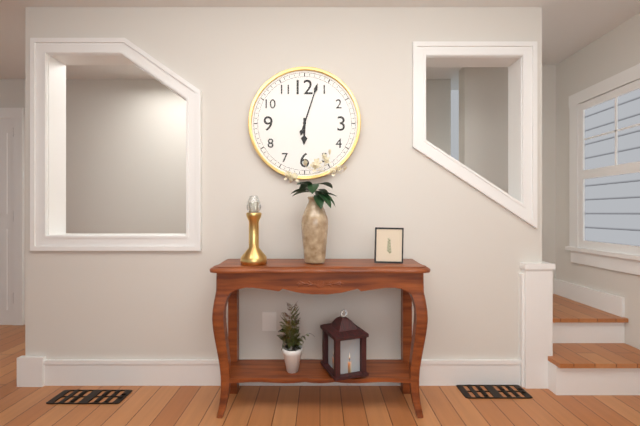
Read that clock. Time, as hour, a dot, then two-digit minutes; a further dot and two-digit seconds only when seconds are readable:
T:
6.03
